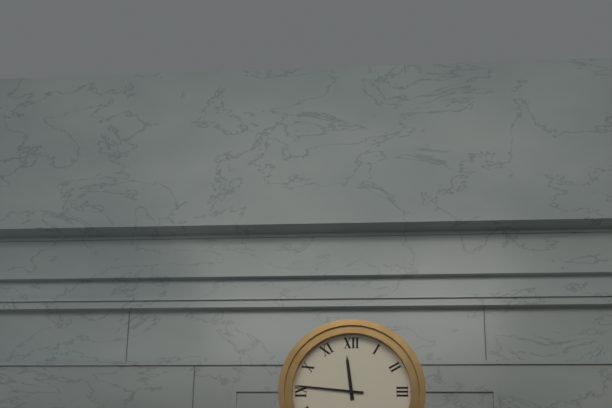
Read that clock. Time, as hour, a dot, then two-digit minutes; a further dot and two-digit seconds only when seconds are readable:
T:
11.46
